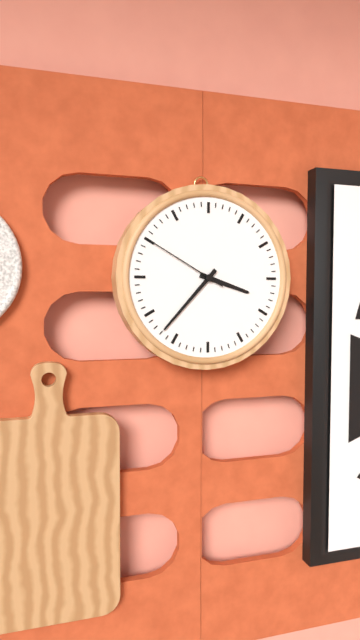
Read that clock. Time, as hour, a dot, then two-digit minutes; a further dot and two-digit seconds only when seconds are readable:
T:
3.37.50
